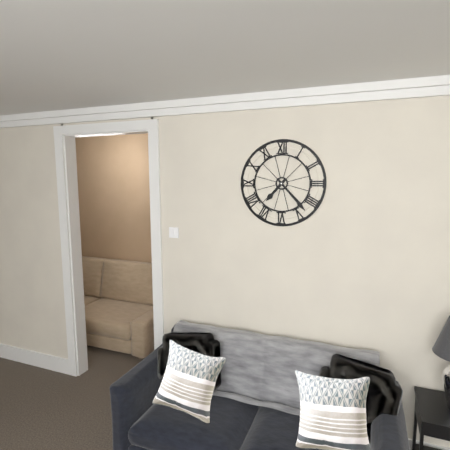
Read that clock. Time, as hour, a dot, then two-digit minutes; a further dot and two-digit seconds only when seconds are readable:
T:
7.23
